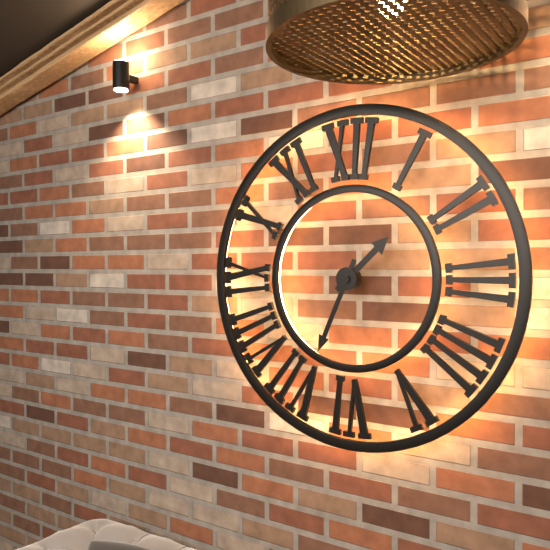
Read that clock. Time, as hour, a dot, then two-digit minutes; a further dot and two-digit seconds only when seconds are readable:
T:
1.34
